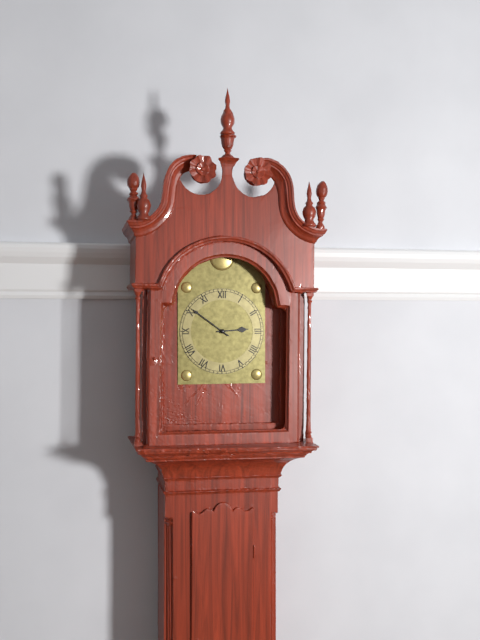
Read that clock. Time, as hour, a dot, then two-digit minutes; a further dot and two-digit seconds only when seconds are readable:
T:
2.51
